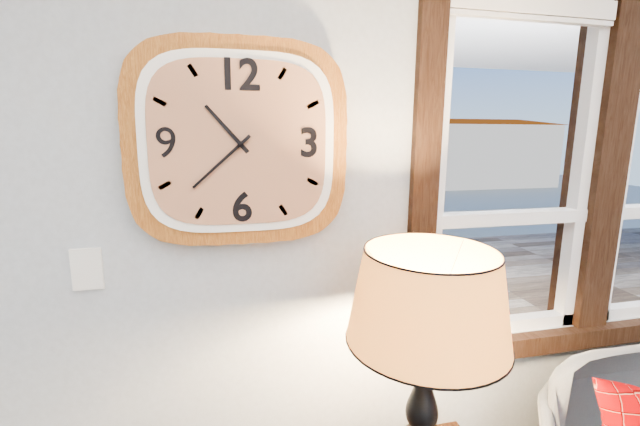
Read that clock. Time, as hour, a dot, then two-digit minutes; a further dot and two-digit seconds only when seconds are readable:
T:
10.38
